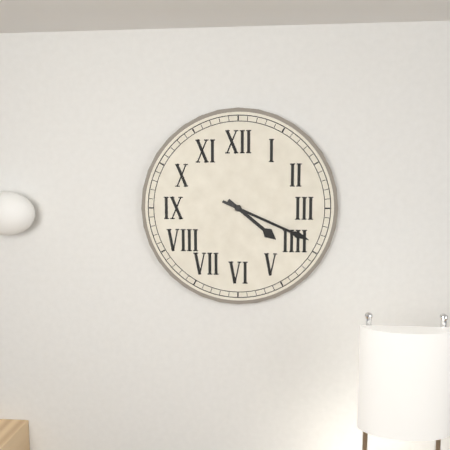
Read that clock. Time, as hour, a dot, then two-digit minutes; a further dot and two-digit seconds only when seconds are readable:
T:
4.19
